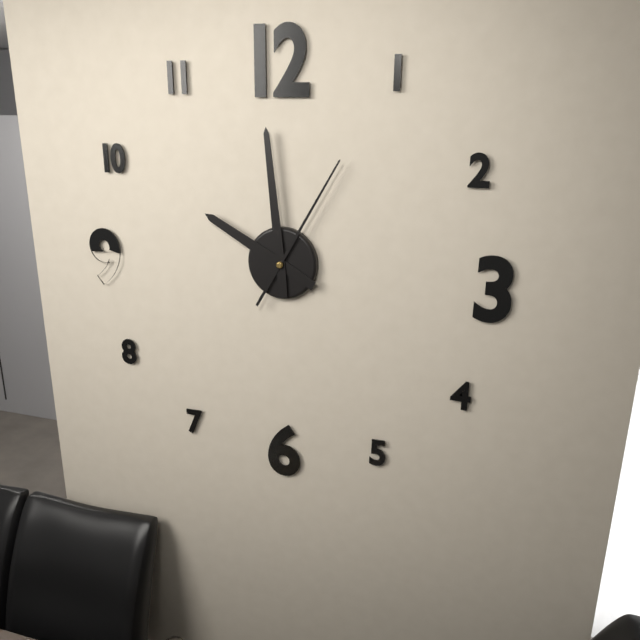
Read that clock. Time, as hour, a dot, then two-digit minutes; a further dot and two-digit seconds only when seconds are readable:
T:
9.59.05
